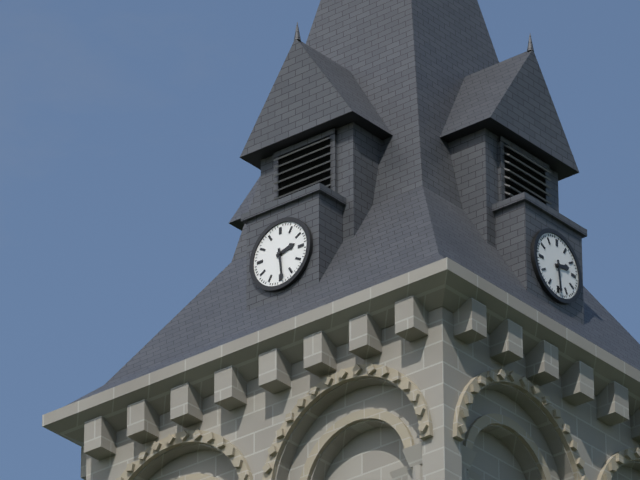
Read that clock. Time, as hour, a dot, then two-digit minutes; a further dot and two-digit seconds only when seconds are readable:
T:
2.29
